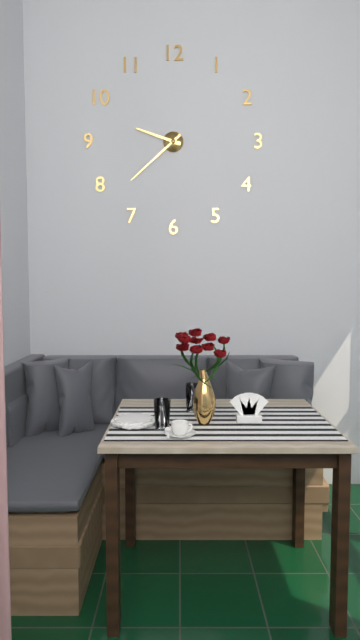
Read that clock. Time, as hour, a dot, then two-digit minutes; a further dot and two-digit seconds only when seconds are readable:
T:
9.38
